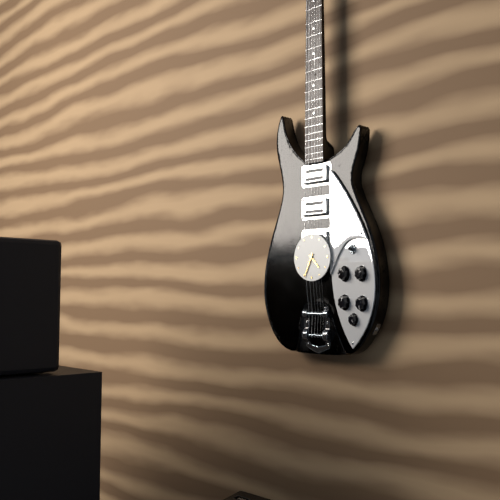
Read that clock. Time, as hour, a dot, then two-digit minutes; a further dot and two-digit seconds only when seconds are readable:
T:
4.34
